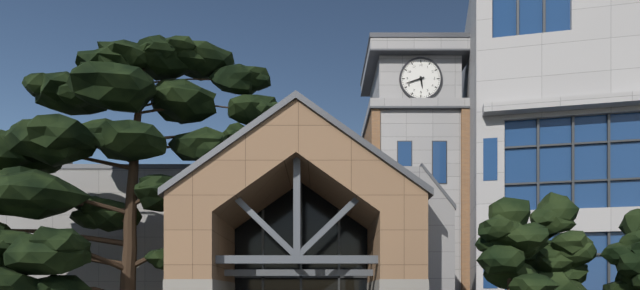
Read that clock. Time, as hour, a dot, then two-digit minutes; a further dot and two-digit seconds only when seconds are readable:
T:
5.42
